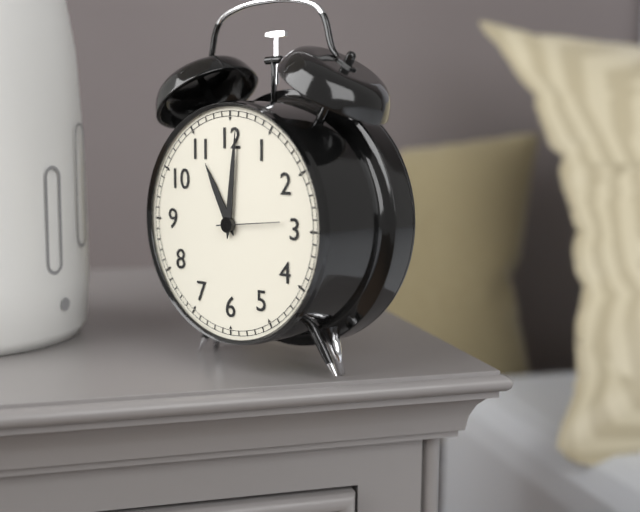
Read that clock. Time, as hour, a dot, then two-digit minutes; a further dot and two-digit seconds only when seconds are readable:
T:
11.01.14
